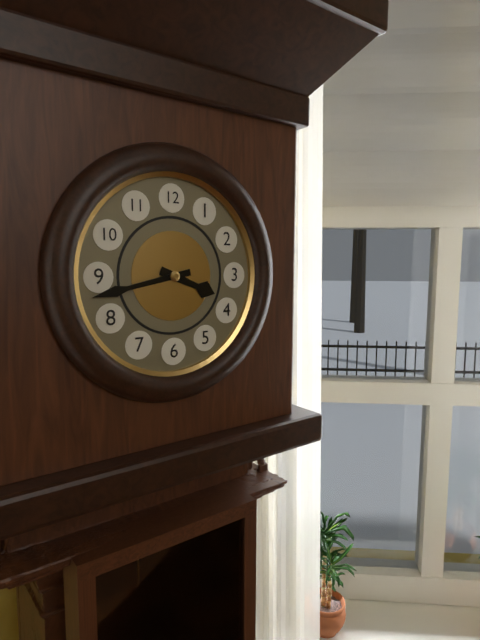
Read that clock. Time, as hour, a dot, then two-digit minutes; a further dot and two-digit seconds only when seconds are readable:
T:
3.43
